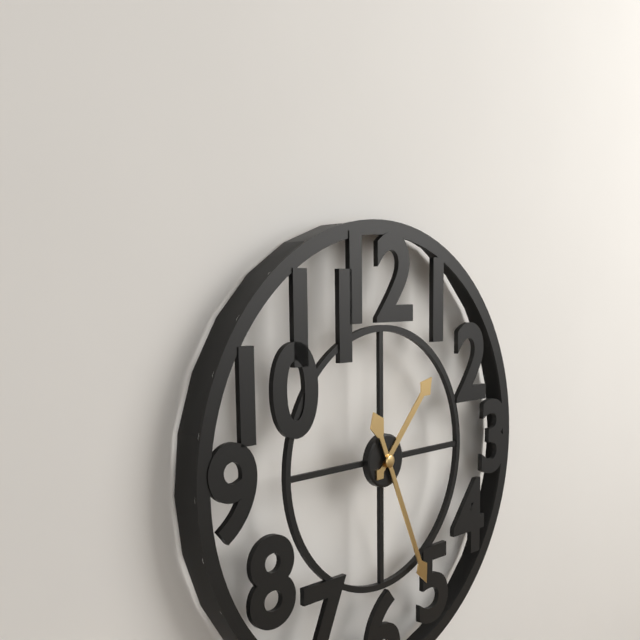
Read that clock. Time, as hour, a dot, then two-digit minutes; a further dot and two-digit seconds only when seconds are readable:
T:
1.26
